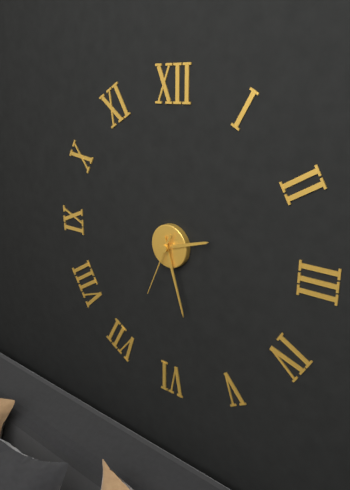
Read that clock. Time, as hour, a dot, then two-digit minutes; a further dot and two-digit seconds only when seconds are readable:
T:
2.27.34
